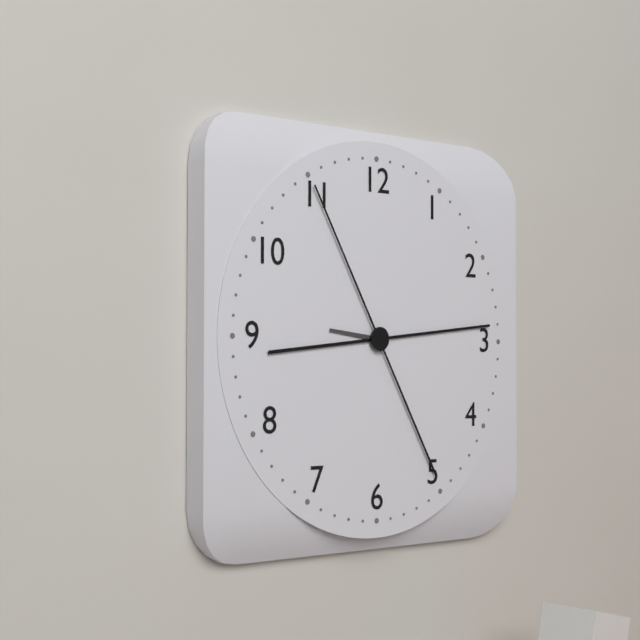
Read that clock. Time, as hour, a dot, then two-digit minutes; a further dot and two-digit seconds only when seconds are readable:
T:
9.14.55
